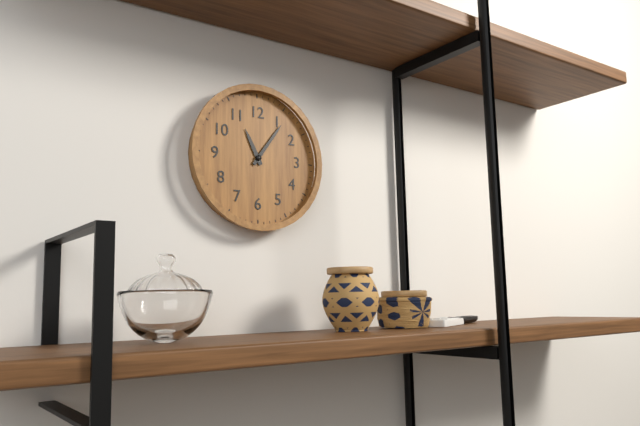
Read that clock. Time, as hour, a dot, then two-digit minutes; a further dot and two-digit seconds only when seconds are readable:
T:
11.06
